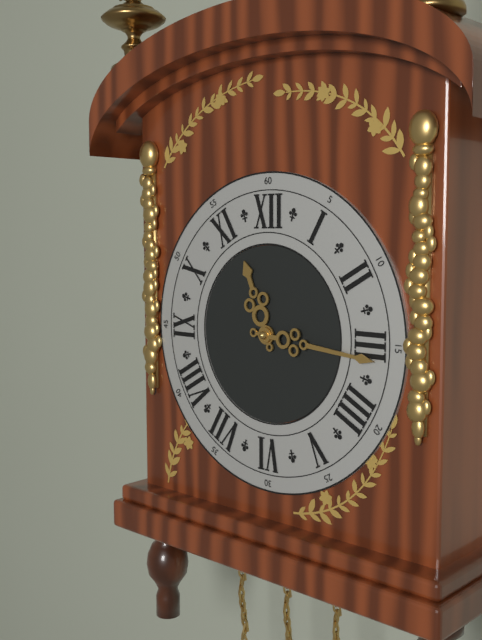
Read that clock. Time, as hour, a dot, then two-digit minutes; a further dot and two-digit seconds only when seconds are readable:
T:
11.16
